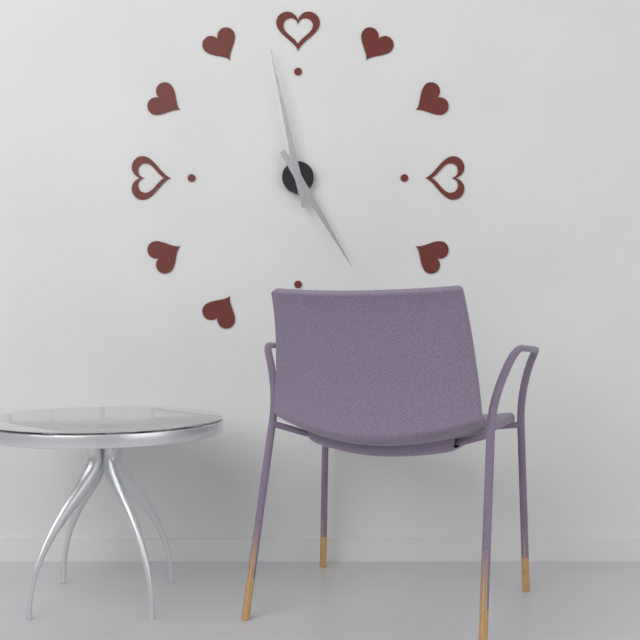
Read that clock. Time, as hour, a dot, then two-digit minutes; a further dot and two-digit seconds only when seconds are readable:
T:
4.58
